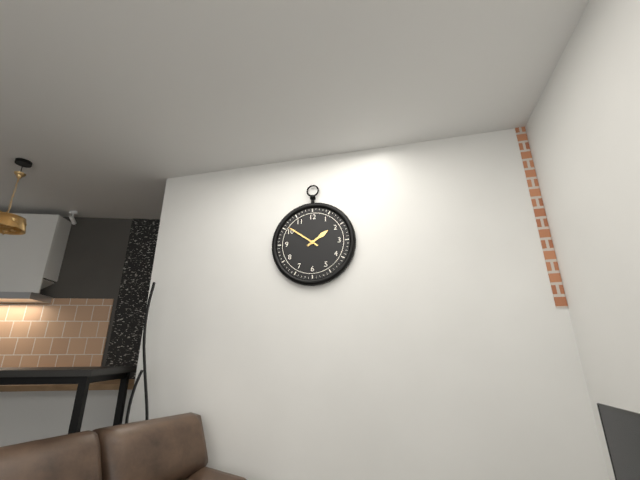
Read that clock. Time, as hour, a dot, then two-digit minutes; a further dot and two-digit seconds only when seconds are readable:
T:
1.51
